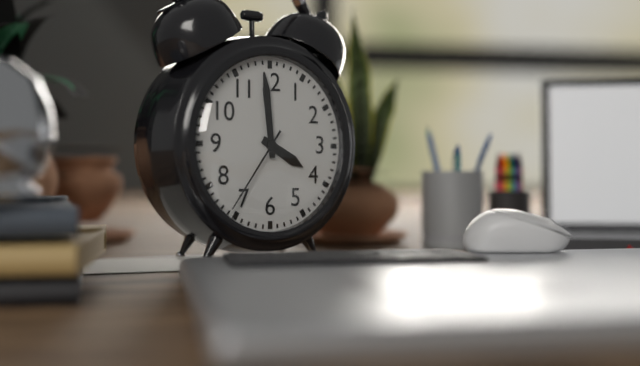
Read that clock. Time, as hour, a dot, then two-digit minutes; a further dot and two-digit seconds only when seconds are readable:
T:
3.59.36
